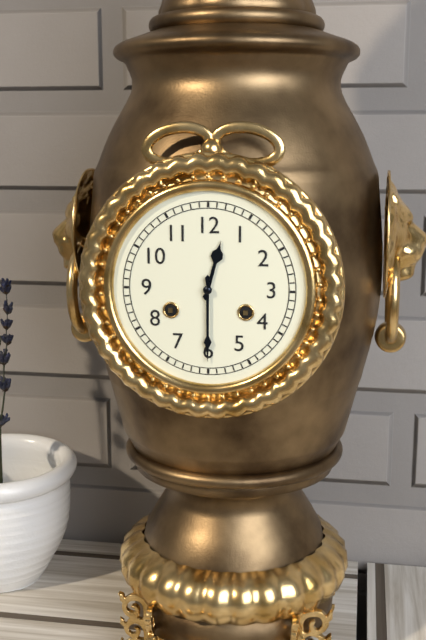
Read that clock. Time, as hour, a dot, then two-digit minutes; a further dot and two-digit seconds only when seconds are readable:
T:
12.30
